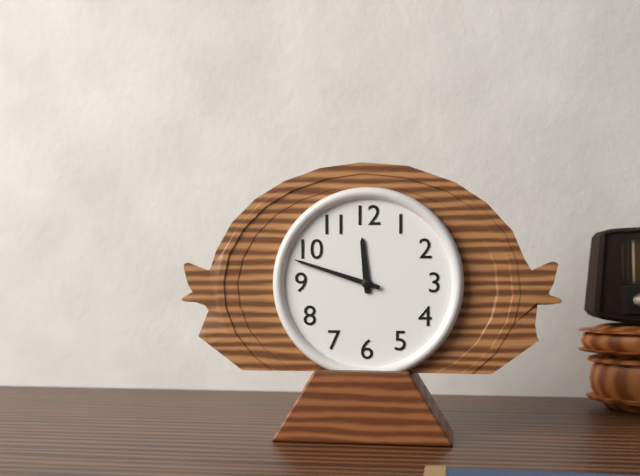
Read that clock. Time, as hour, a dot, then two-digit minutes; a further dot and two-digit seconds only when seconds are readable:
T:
11.48
